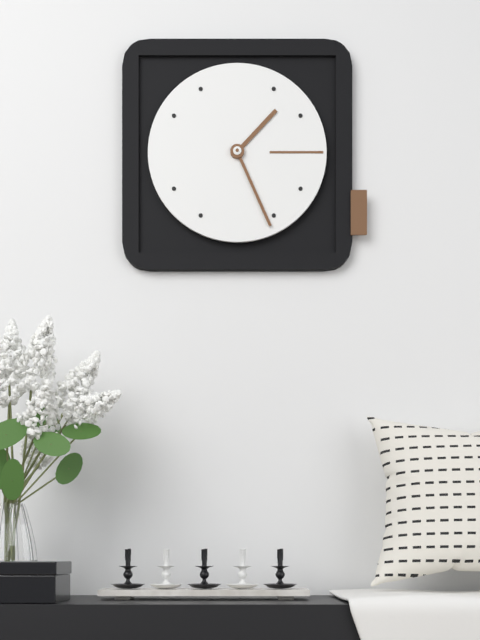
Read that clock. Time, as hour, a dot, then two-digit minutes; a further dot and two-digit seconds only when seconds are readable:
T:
1.26
